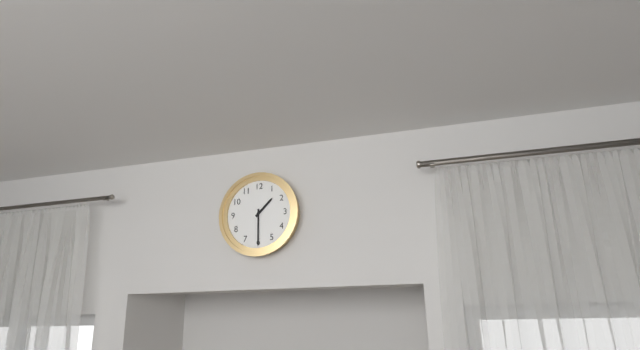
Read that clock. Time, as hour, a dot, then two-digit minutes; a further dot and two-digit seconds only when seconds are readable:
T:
1.30
